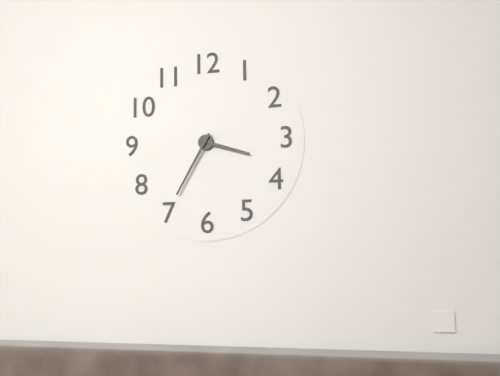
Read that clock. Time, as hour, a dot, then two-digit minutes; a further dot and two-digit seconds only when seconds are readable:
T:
3.35
